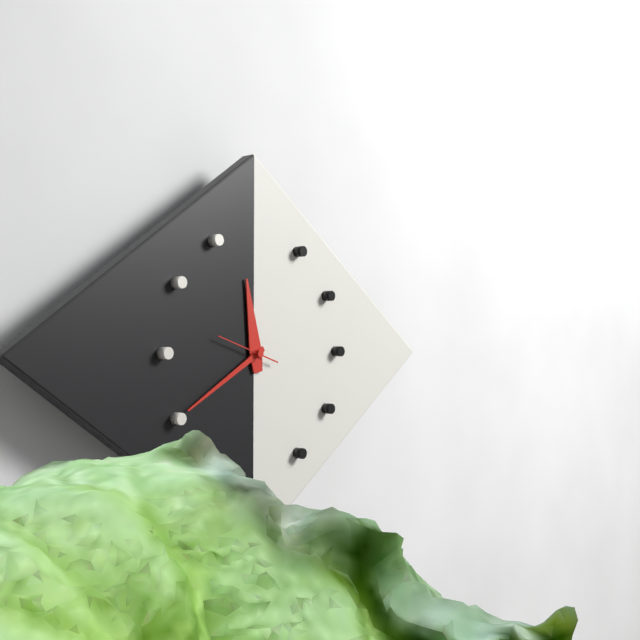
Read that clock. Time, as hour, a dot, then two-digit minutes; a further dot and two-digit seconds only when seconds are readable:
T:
11.40.48
